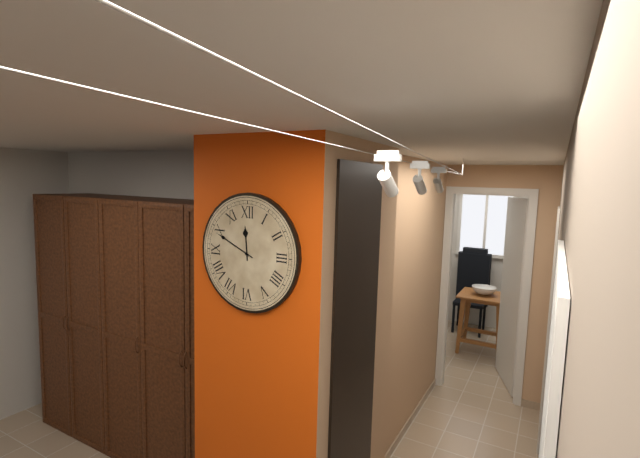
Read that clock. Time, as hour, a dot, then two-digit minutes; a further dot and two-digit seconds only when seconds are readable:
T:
11.49
